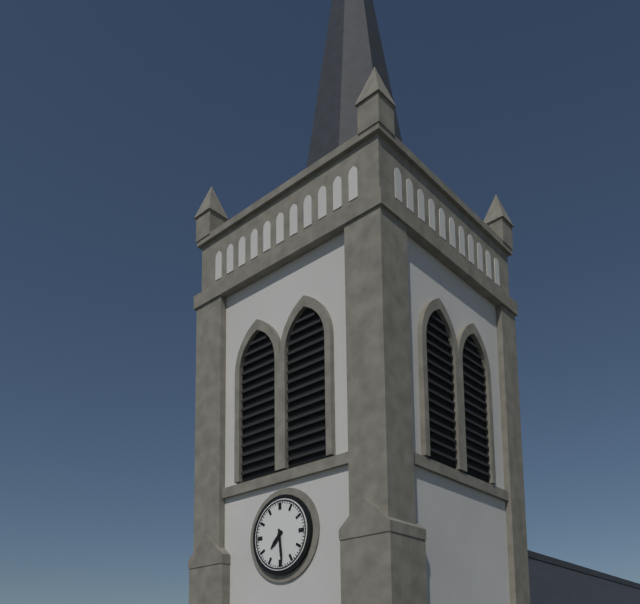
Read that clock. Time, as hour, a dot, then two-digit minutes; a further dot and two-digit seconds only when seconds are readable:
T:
7.29
